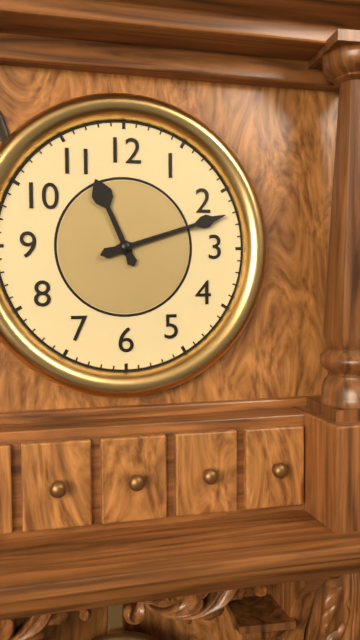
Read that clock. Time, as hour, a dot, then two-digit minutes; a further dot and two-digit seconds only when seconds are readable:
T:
11.12
